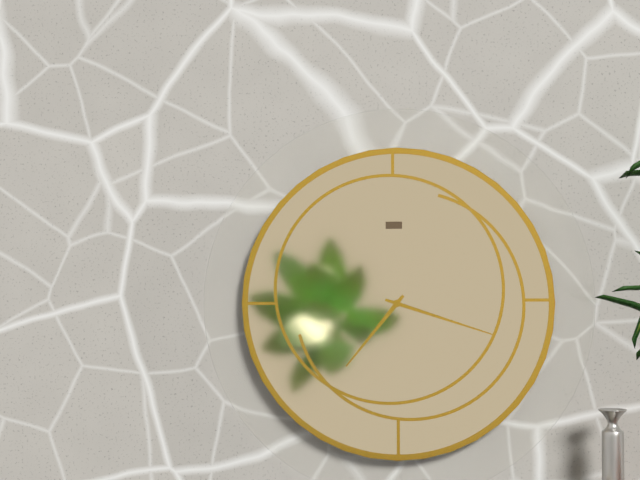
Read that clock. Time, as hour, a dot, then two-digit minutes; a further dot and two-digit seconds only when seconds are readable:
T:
7.18
